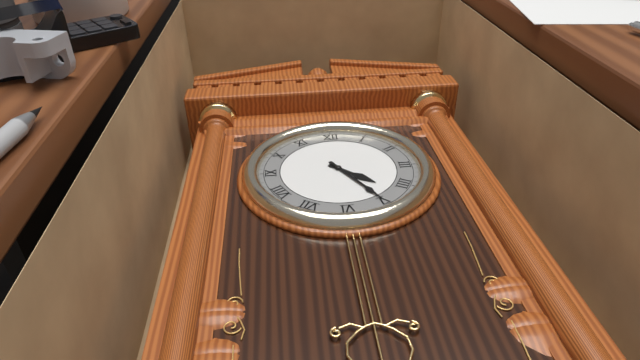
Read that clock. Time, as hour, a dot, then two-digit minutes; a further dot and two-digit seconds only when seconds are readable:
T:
4.25
